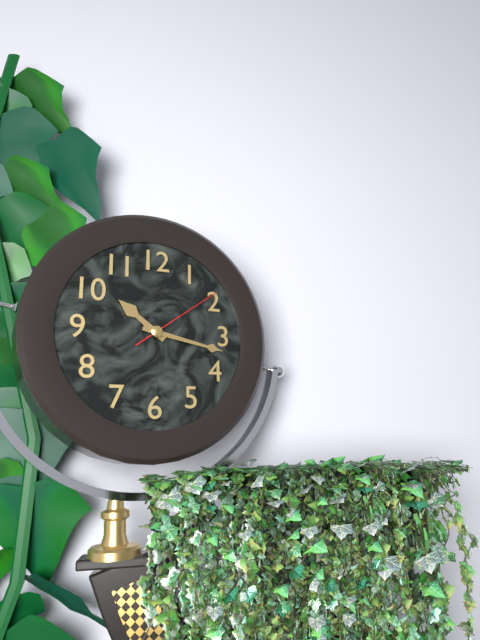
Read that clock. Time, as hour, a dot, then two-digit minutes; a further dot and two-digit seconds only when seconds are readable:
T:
10.17.09
